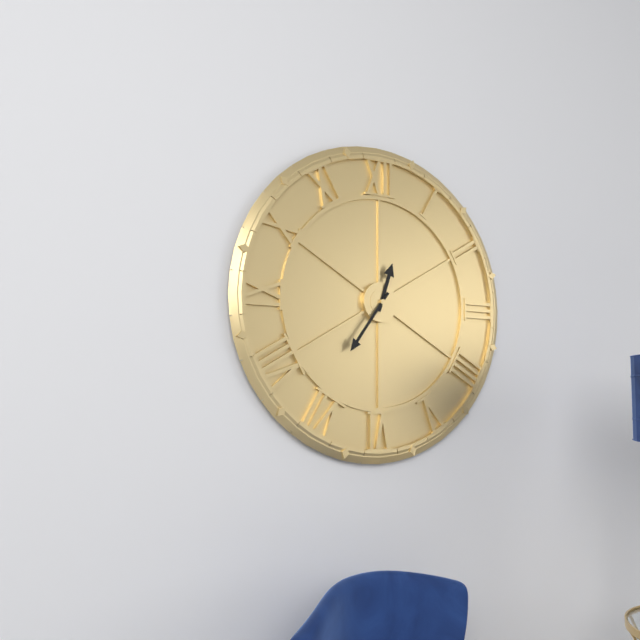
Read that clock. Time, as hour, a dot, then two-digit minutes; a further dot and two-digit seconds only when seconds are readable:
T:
12.36
